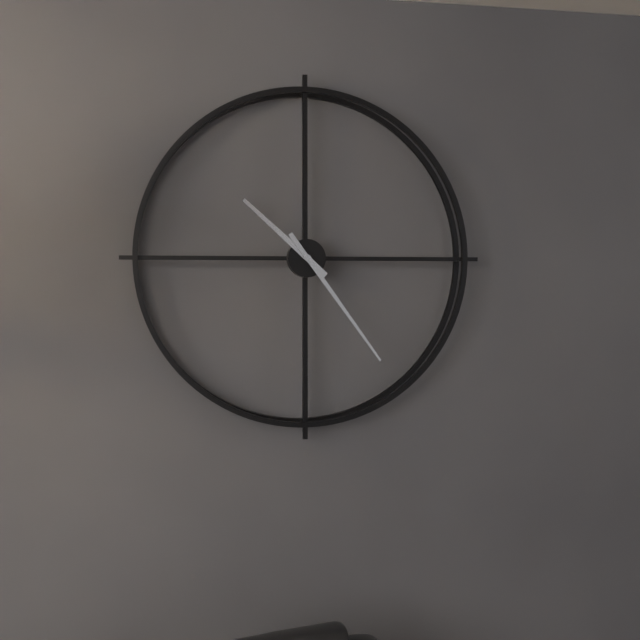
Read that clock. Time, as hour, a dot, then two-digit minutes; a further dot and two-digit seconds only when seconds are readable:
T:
10.24
